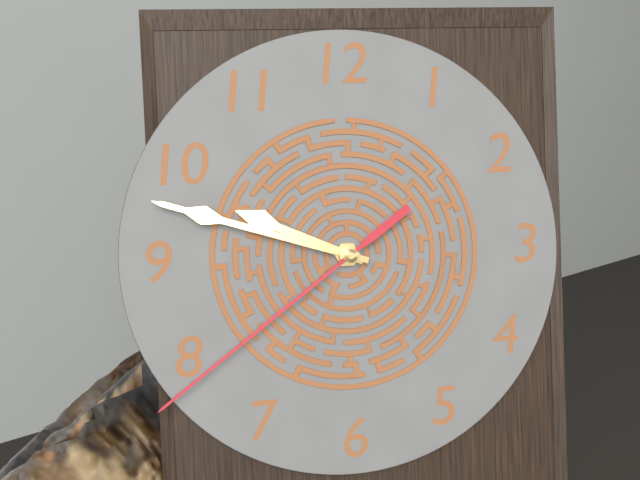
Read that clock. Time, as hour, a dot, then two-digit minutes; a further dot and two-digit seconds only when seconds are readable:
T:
9.48.39
